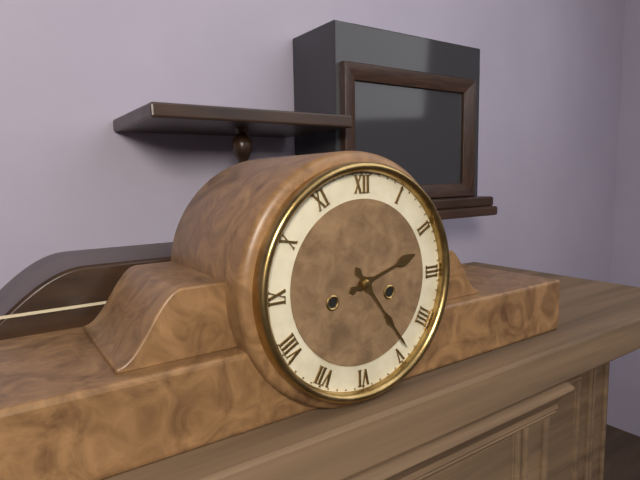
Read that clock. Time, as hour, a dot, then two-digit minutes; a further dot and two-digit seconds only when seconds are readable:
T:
2.24
